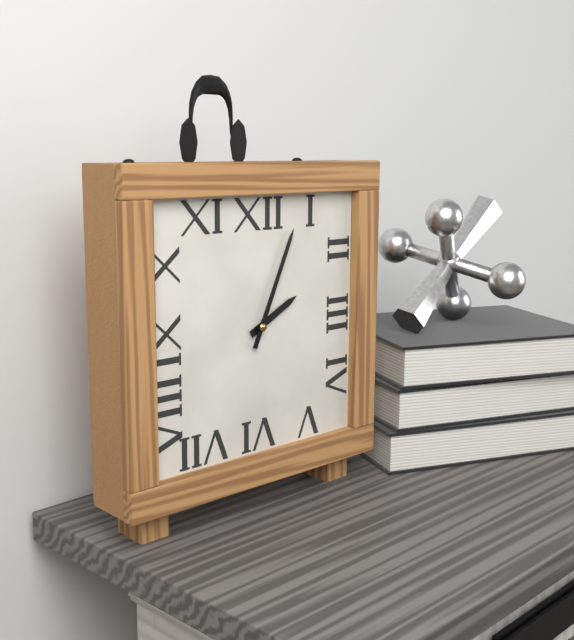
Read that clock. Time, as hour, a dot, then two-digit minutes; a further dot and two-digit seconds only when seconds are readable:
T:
2.04
